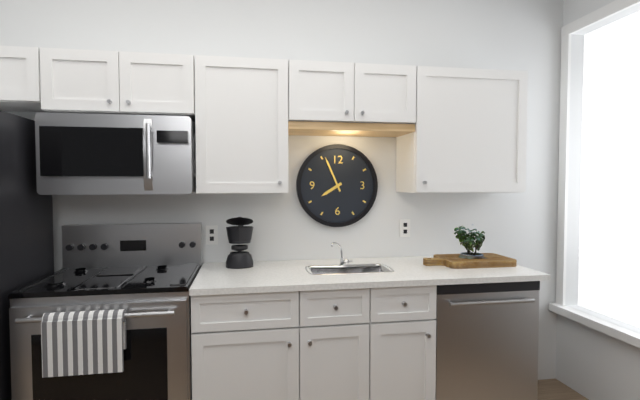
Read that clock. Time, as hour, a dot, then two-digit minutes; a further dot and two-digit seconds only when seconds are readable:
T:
7.56
